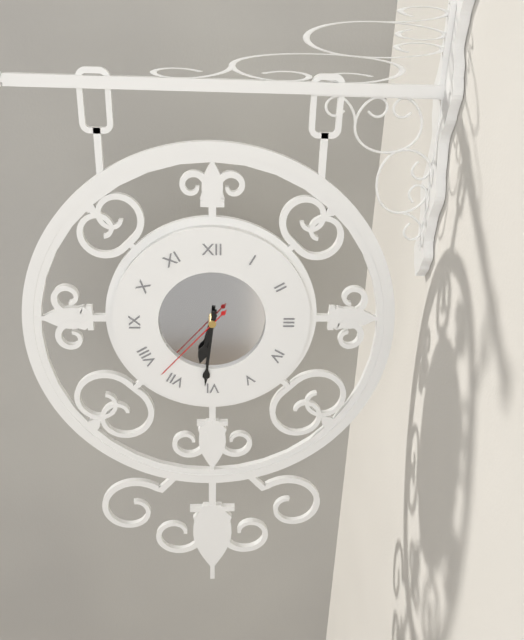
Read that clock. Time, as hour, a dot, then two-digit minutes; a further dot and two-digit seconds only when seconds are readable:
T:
6.31.37
